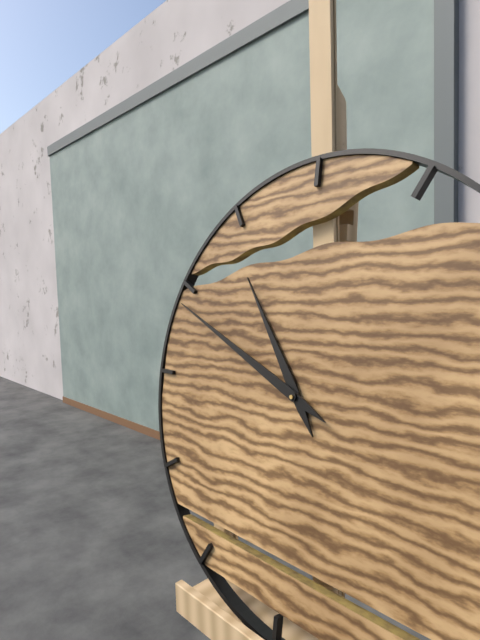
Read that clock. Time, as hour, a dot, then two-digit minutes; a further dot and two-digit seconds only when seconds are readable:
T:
10.49
